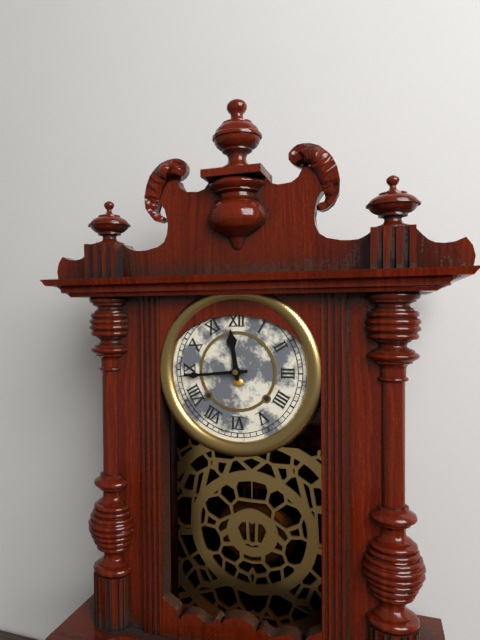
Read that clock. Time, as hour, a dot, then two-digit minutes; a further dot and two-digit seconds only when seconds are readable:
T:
11.44
